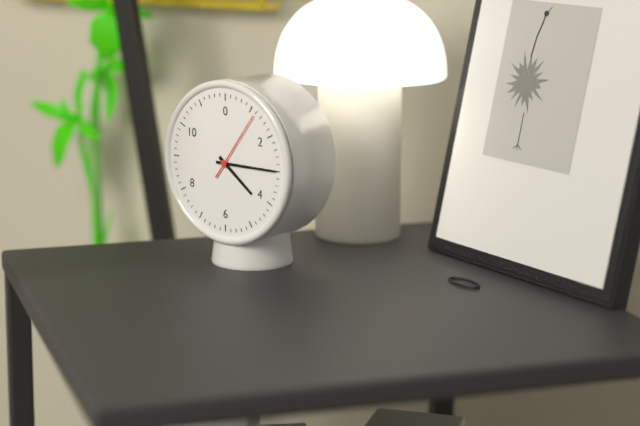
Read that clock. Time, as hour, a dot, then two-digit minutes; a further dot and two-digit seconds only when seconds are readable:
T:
4.15.06
